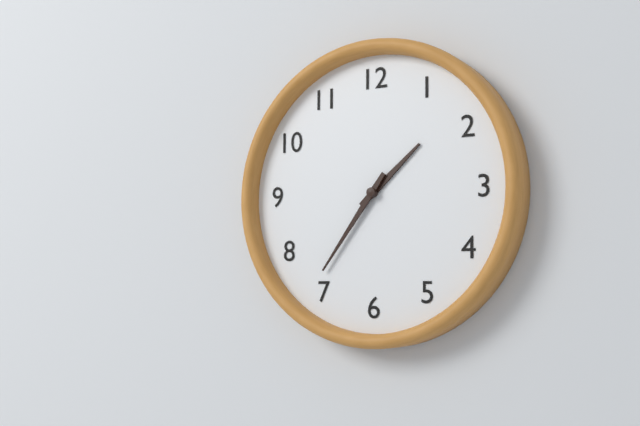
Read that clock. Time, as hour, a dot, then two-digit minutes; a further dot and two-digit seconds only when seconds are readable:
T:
1.36
